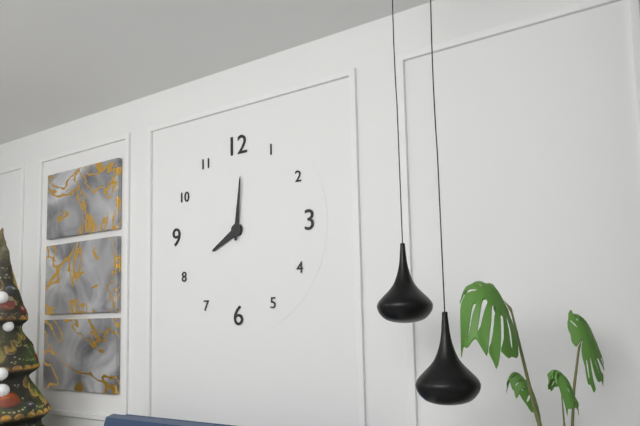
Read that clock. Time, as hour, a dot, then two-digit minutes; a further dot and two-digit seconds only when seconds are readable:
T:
8.01
